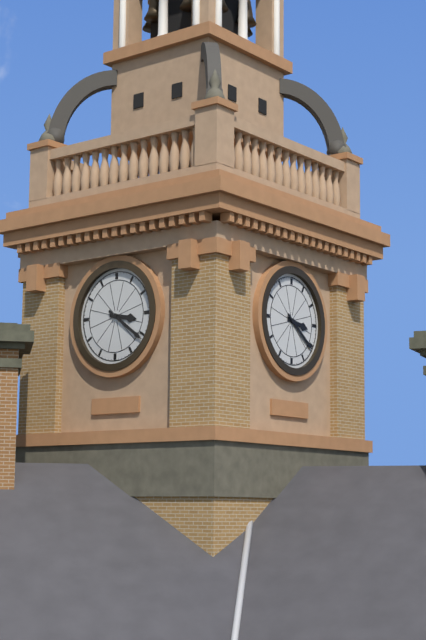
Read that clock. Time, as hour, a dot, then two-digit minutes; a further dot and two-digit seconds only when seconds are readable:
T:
3.21
